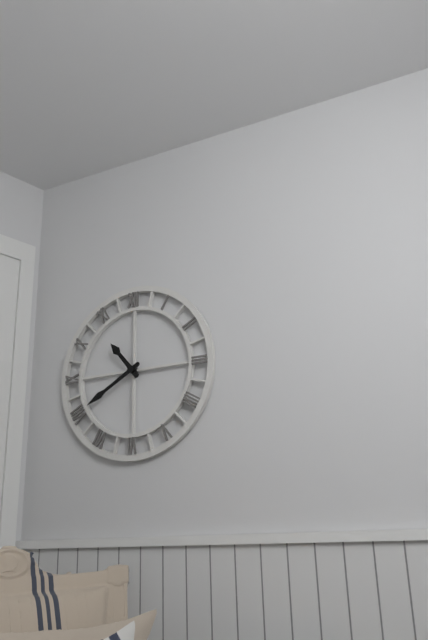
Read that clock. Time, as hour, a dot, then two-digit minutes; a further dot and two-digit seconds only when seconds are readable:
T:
10.40
